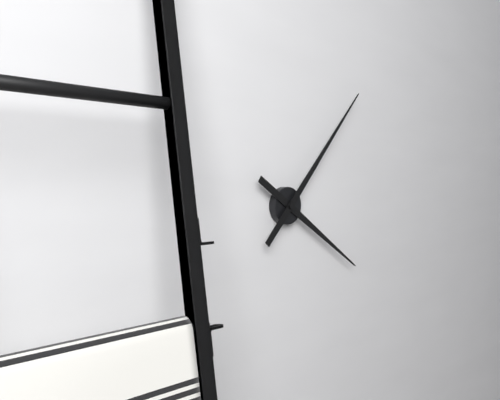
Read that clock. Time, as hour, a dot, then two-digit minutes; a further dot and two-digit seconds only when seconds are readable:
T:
4.07
